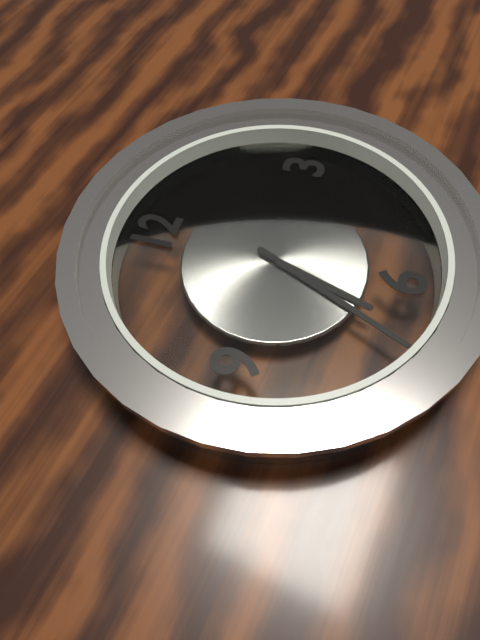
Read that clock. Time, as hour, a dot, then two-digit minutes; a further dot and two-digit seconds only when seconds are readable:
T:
6.34
